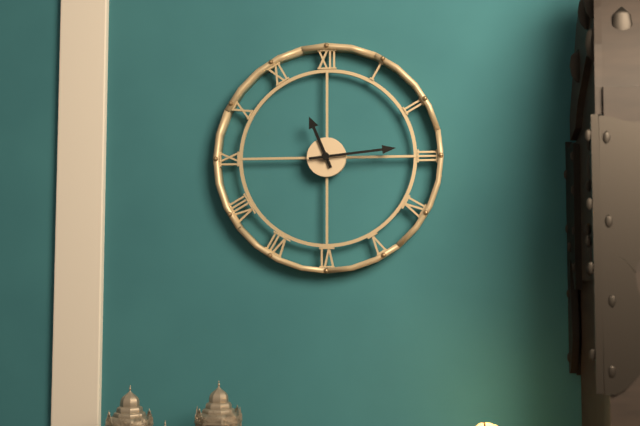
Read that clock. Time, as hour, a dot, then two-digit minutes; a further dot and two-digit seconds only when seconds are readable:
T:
11.14
